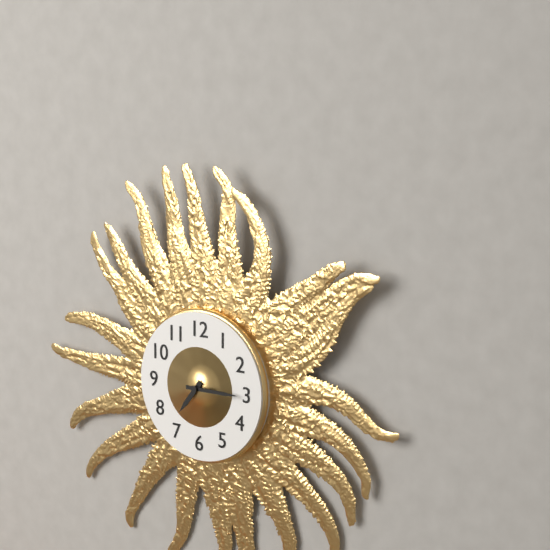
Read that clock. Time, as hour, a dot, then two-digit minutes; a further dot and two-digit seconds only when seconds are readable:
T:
7.15
